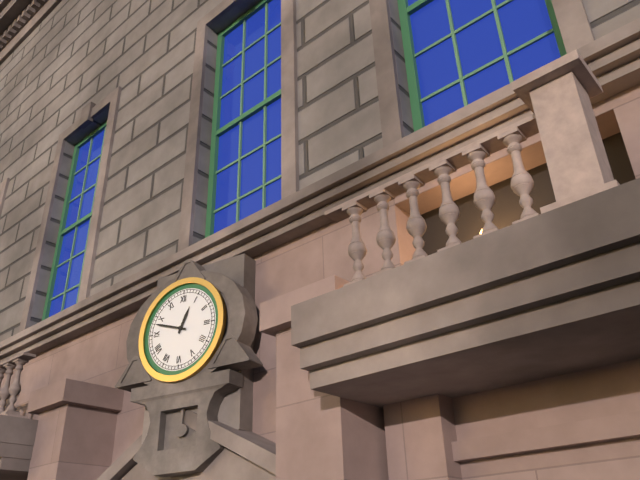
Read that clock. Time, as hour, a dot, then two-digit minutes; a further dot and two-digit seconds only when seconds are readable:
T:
12.48
